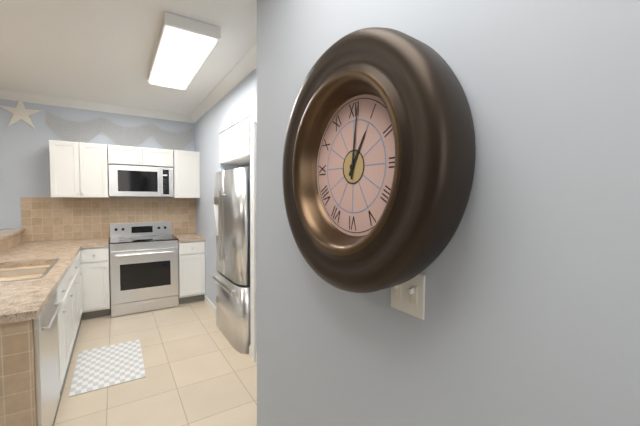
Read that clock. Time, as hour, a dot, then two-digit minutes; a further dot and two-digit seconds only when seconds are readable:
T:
1.01
